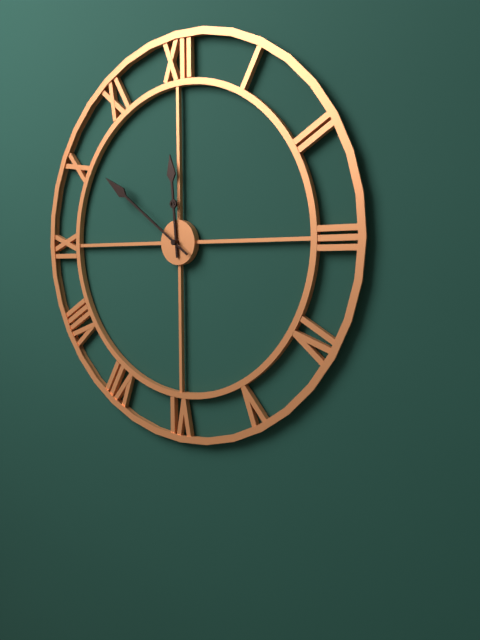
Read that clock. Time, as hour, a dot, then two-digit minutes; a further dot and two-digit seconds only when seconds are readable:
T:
11.51
